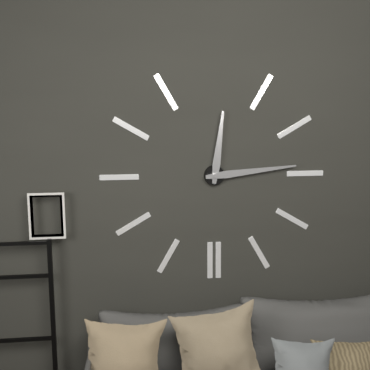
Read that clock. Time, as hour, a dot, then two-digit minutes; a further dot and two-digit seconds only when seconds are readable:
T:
12.14
